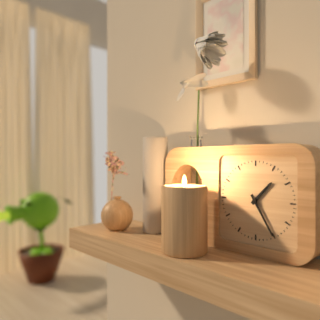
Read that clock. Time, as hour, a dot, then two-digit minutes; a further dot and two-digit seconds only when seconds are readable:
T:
1.25
